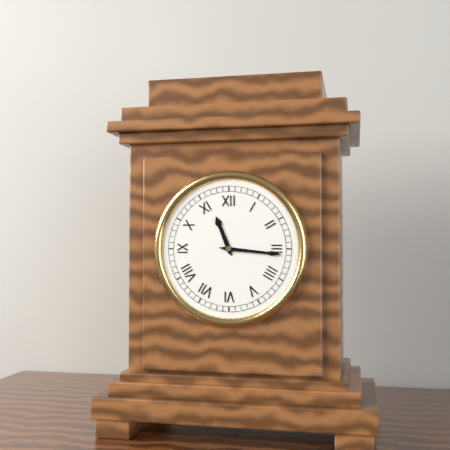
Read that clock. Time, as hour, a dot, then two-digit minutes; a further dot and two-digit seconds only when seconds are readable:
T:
11.16
